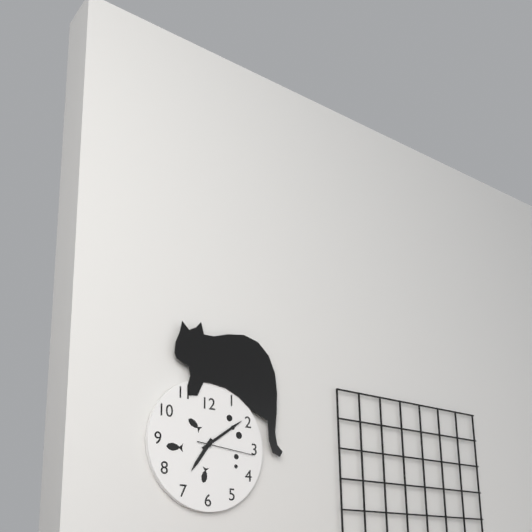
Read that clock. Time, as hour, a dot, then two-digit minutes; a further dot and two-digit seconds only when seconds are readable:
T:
7.09.16
